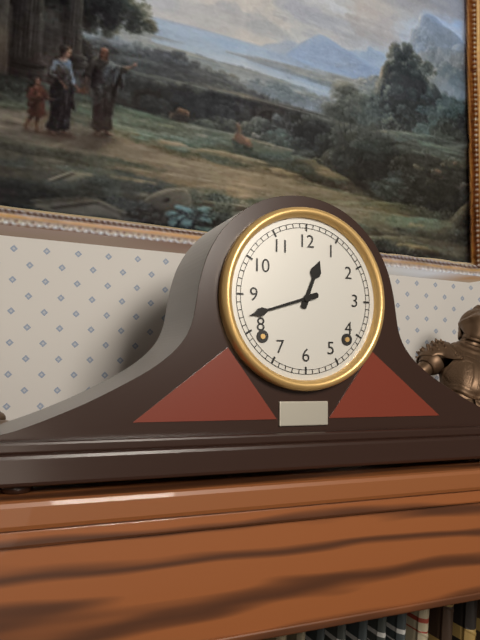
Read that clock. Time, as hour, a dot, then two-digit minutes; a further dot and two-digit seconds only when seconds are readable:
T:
12.42
